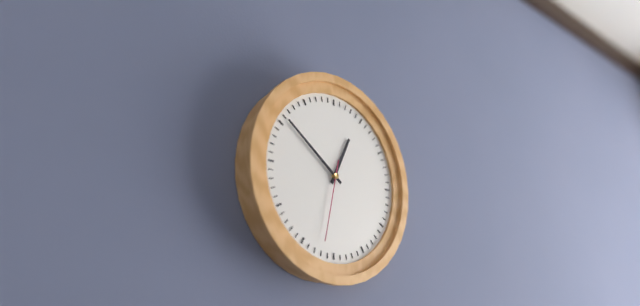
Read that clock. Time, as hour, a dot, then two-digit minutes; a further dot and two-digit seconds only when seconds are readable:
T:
12.51.32
